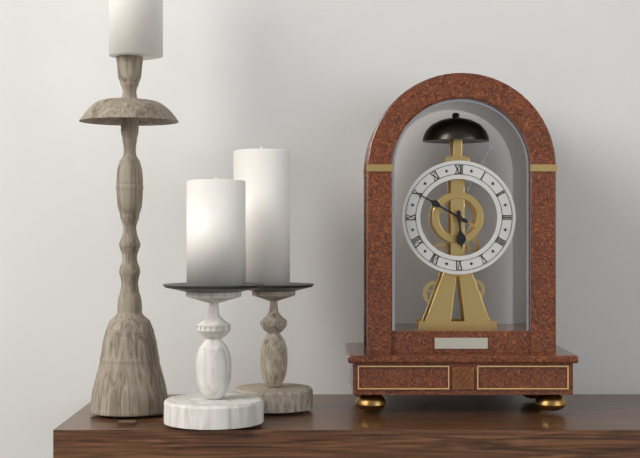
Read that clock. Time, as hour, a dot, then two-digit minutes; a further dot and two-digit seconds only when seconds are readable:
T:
5.50
